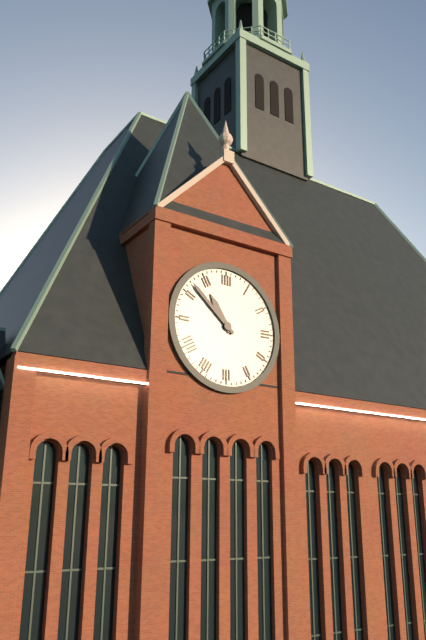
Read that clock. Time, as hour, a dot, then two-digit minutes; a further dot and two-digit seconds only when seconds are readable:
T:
10.52
